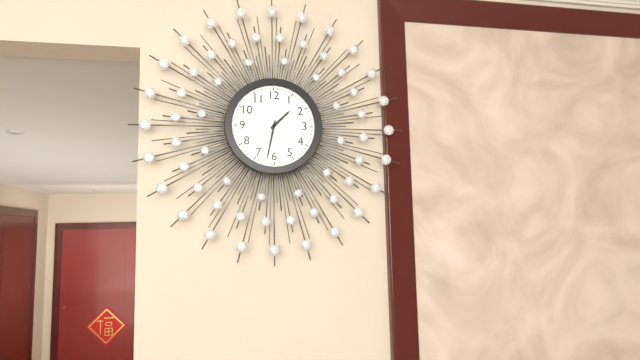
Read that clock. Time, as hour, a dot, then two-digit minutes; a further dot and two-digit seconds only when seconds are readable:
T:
1.32
